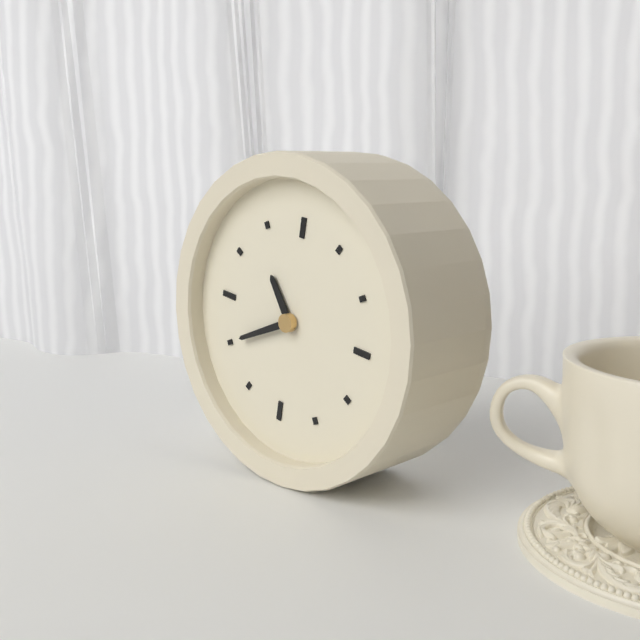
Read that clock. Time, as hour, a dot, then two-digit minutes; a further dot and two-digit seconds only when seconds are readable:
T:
10.40
